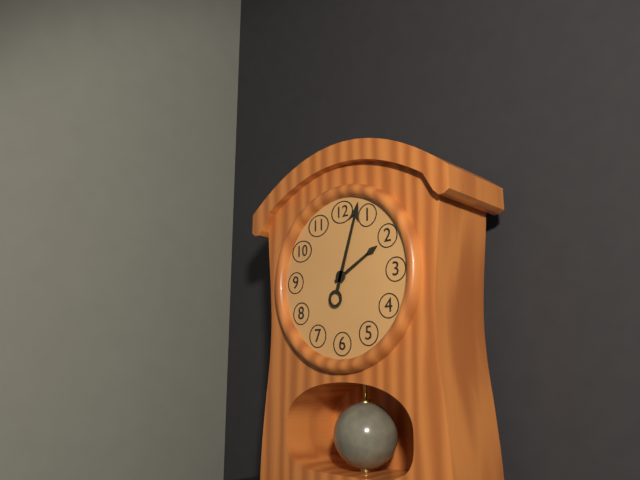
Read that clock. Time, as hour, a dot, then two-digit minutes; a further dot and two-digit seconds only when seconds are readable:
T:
2.03
